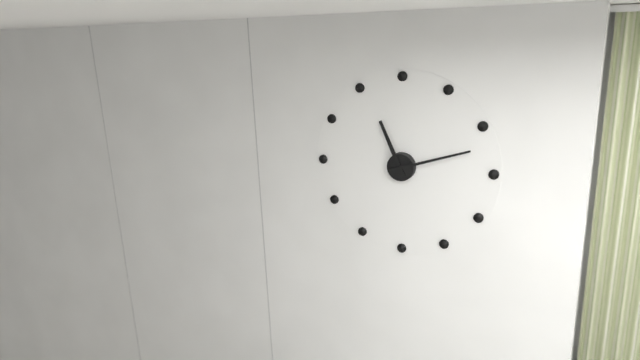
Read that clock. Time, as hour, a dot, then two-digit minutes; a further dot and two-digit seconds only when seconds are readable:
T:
11.12
